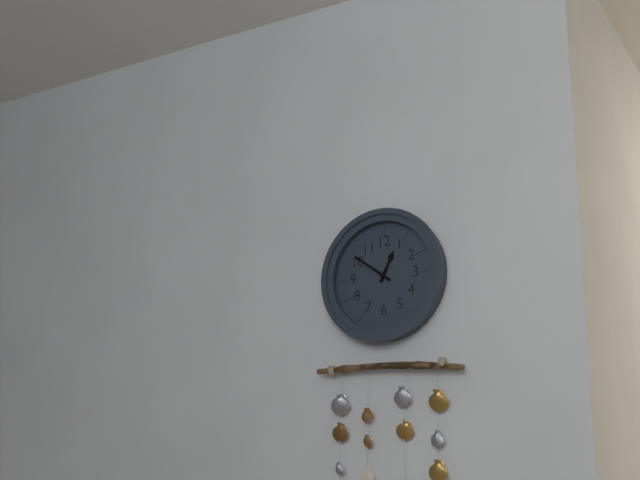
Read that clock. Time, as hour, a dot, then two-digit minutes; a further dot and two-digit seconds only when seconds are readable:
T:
12.51
